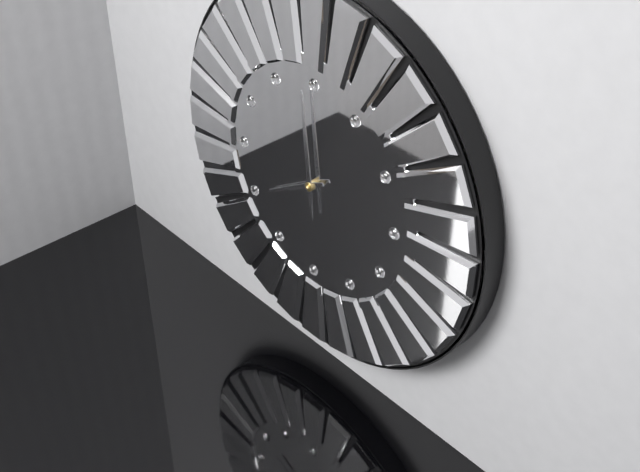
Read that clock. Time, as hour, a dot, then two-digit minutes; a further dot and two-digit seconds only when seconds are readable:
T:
7.59
